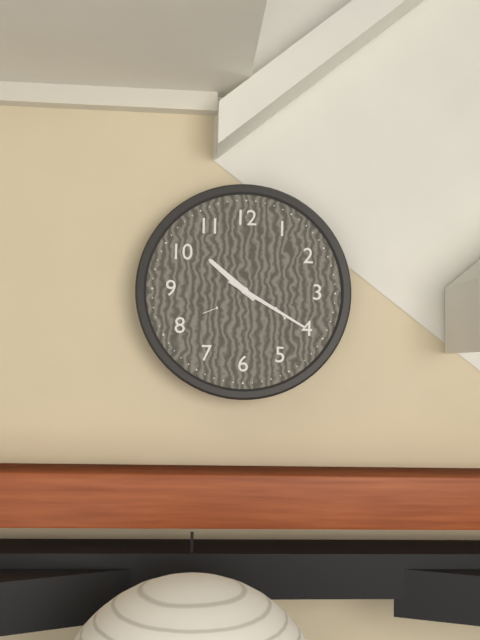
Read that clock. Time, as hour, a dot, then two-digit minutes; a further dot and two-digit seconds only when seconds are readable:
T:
10.20
